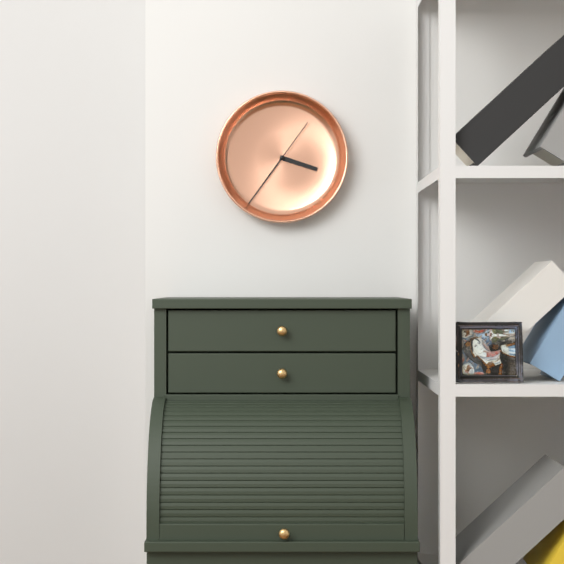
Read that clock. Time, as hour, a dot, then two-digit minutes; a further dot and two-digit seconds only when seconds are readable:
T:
3.36.06
